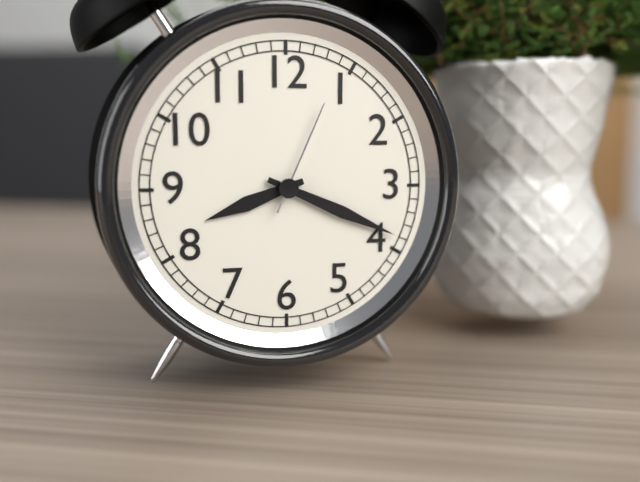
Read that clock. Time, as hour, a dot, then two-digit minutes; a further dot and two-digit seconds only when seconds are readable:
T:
8.19.04
